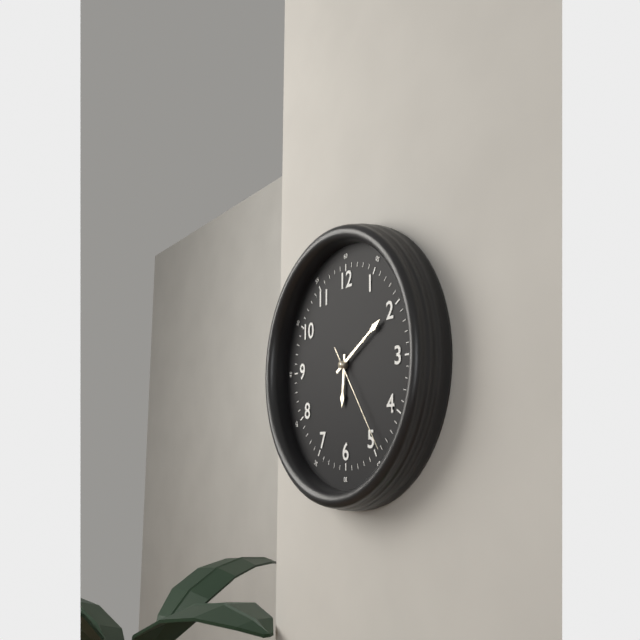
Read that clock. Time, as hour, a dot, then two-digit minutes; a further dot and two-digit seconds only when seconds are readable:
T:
6.10.24
